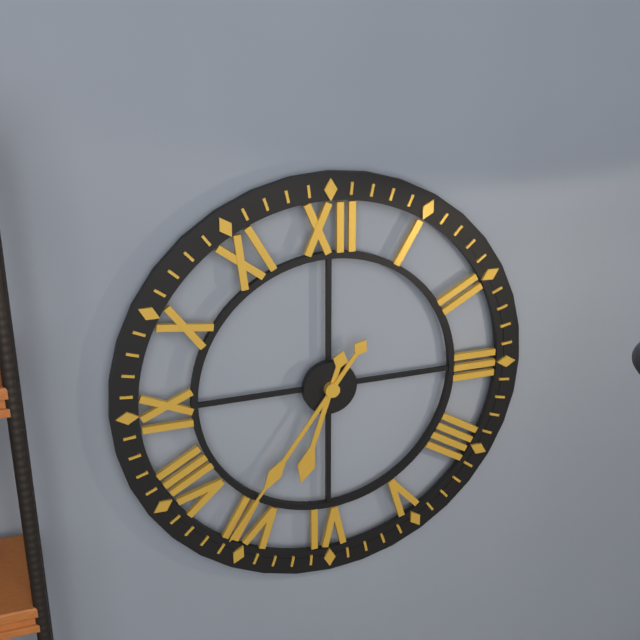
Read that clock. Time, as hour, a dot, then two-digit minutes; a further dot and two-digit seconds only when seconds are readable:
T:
6.36
